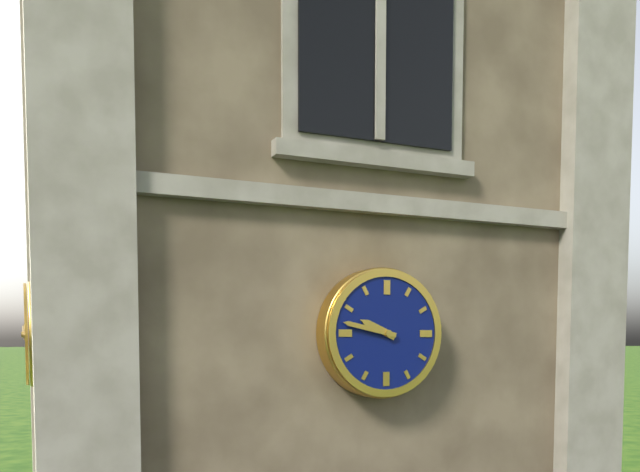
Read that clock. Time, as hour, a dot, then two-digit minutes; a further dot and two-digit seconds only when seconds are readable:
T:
9.47
